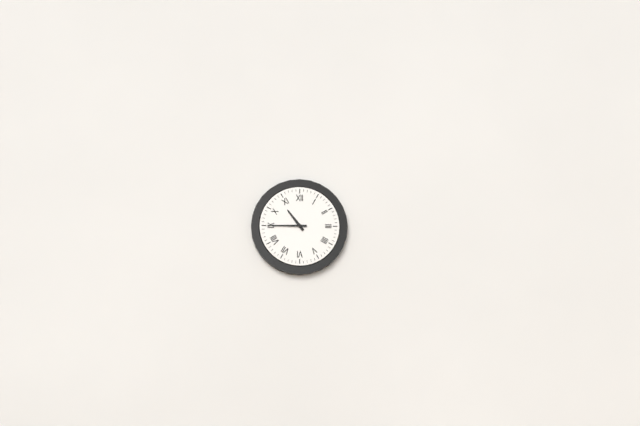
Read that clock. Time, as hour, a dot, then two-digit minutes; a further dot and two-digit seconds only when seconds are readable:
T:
10.45
